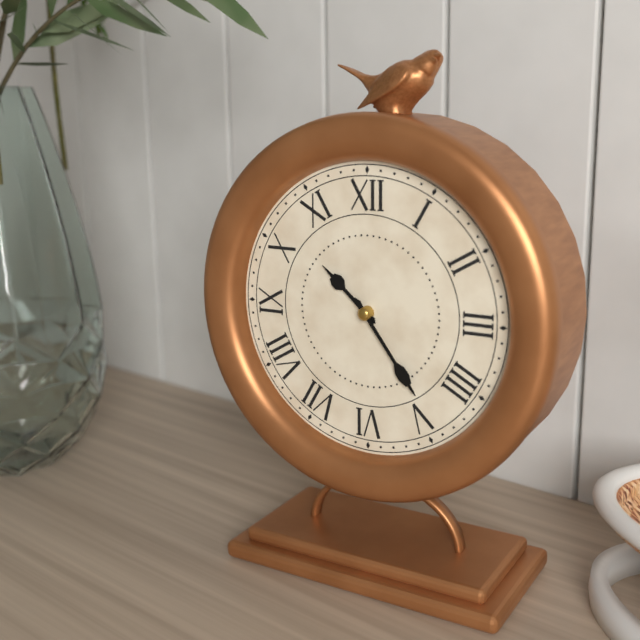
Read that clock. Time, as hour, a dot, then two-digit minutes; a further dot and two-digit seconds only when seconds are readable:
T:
10.24
